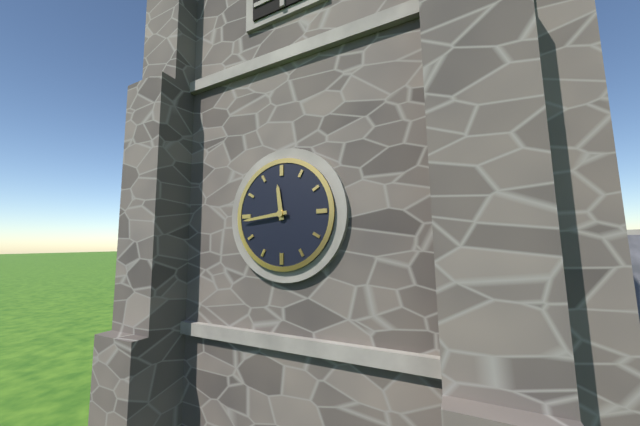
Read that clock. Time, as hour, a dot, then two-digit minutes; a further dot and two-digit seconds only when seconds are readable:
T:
11.44
